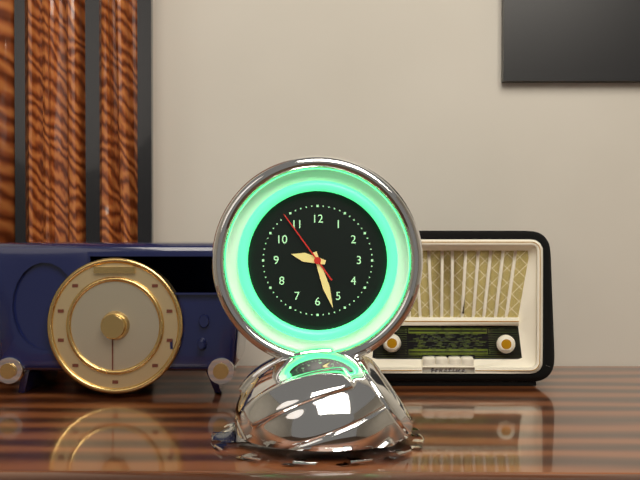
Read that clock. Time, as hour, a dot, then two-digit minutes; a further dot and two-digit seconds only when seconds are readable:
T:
9.27.54
